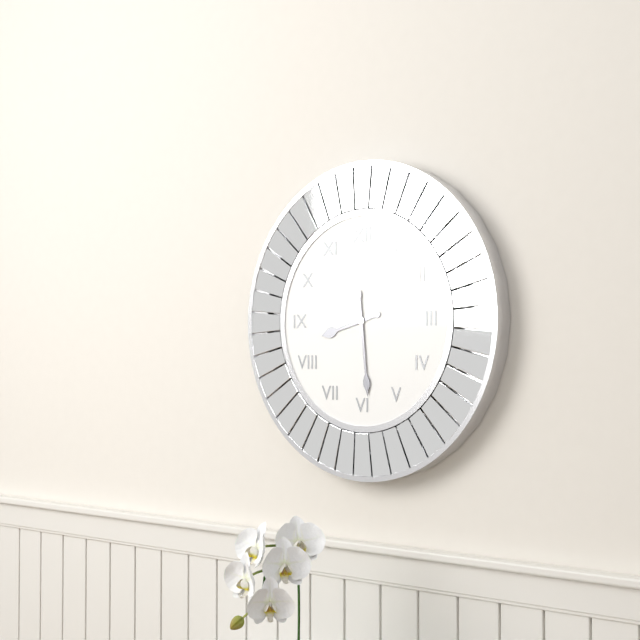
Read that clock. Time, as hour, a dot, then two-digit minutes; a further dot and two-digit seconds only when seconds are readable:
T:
8.29
